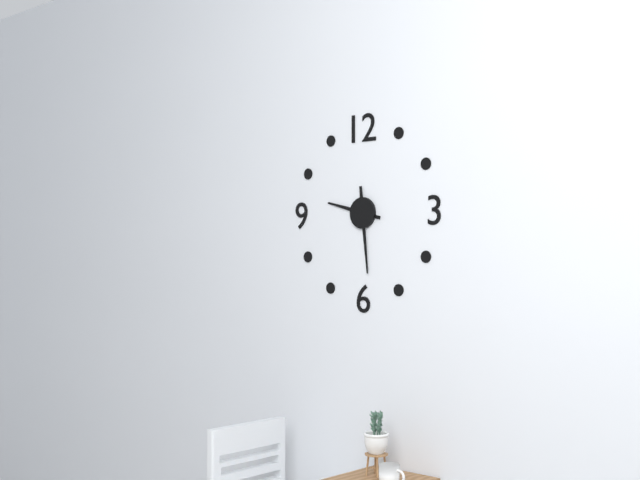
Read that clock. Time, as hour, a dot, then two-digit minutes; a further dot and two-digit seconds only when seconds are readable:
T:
9.29
